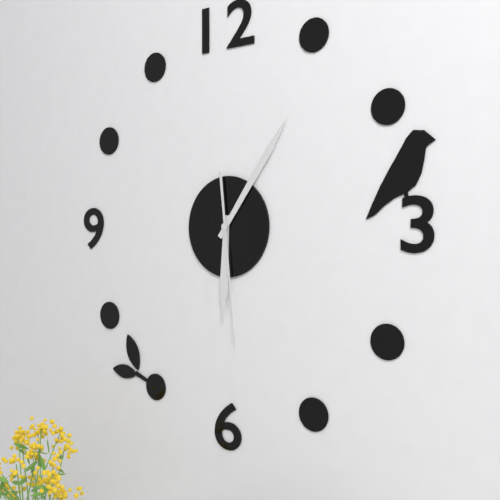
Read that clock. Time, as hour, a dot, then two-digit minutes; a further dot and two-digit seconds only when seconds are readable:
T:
6.06.29
